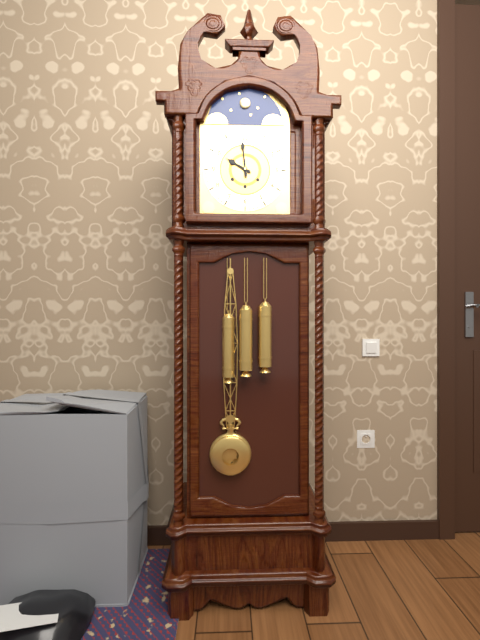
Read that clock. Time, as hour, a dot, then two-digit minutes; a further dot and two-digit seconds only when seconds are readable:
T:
9.59
